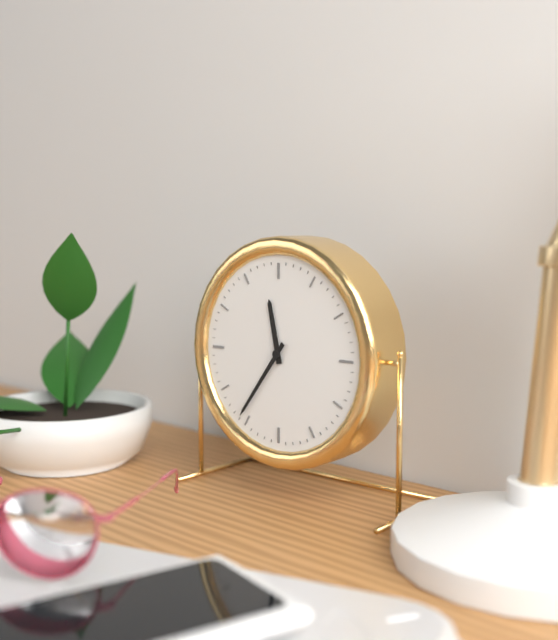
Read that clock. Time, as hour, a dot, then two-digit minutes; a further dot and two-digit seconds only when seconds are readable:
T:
11.36
